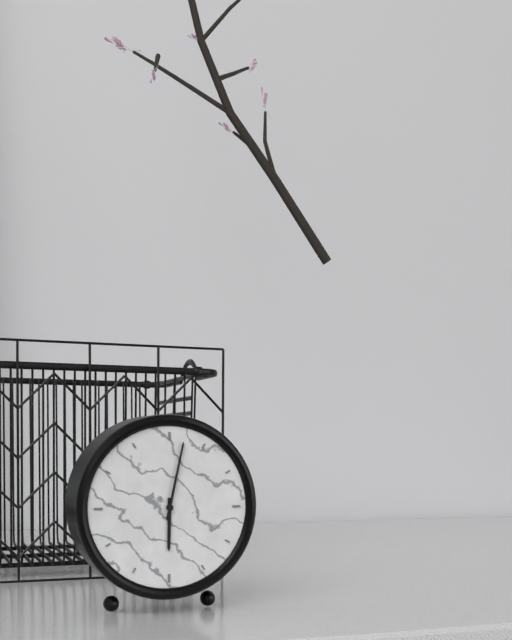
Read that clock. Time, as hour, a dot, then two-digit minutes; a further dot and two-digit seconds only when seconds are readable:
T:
6.02
